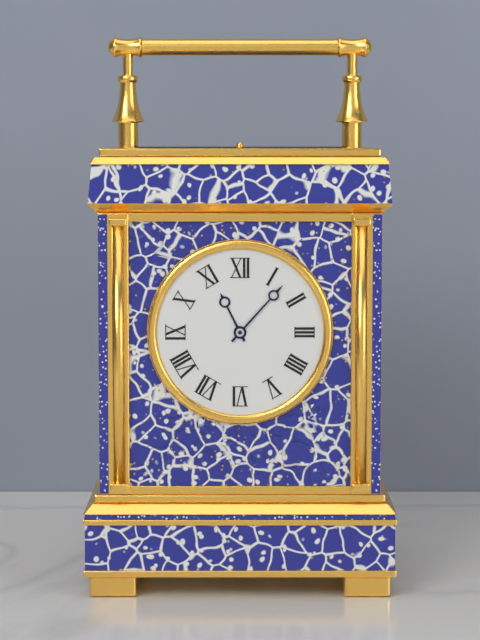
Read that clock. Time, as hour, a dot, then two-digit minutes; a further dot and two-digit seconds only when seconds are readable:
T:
11.07
